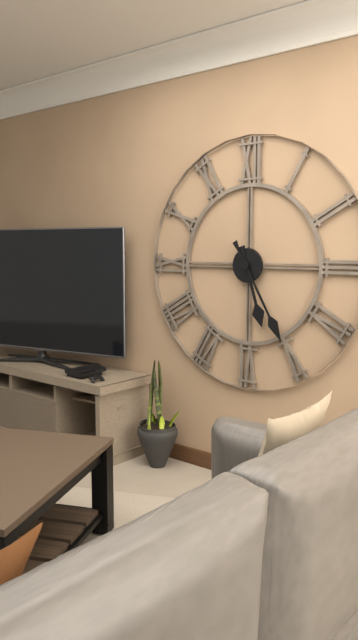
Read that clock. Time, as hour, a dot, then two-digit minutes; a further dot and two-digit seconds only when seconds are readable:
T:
5.25
